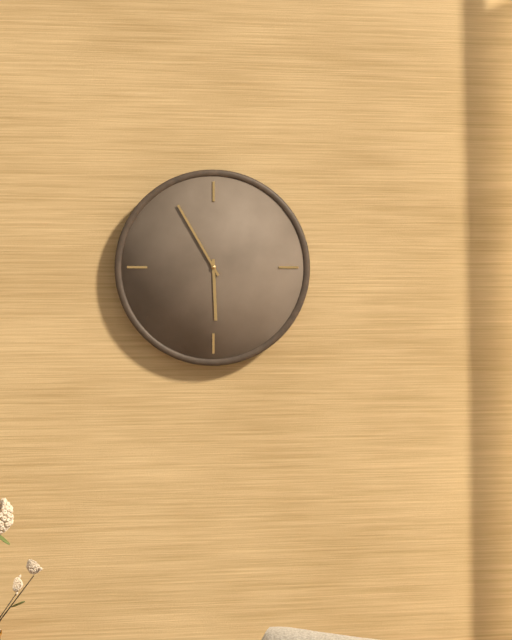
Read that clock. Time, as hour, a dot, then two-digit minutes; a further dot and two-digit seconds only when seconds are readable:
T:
5.55
